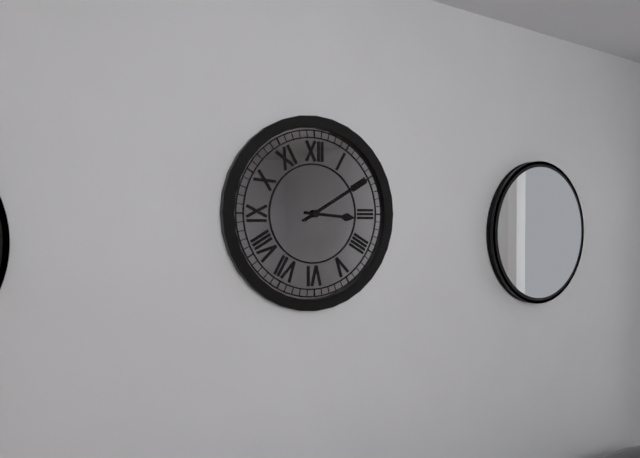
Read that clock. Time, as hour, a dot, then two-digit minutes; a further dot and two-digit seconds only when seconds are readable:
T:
3.10
